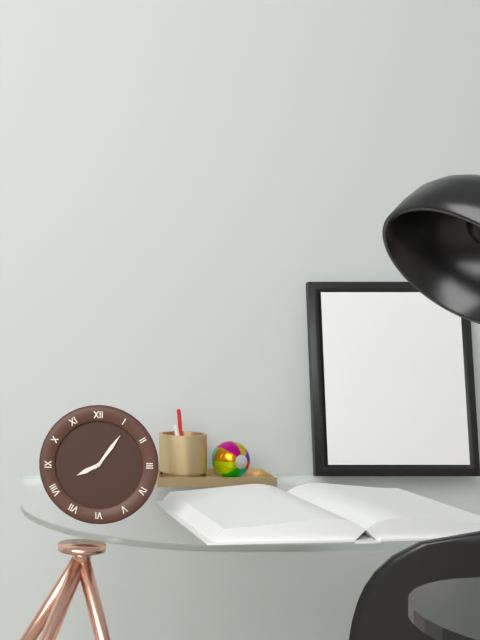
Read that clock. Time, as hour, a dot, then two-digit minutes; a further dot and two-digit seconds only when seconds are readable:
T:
8.06
